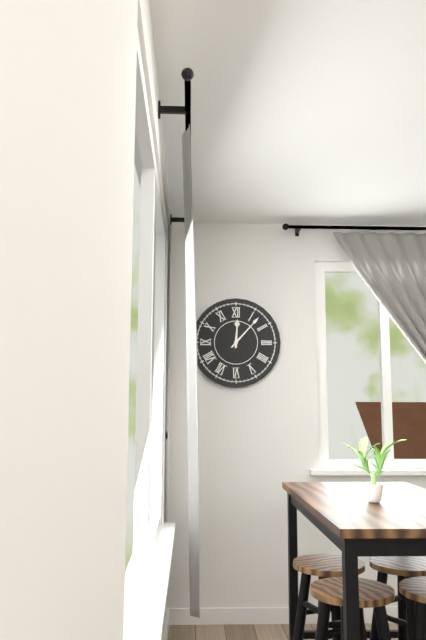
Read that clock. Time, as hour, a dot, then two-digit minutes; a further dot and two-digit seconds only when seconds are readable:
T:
12.07
